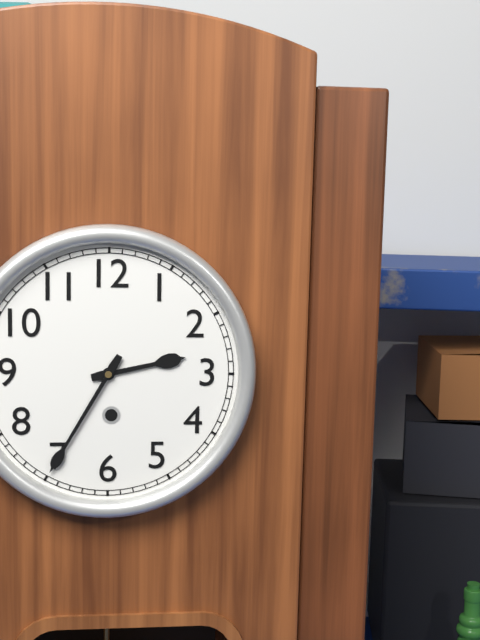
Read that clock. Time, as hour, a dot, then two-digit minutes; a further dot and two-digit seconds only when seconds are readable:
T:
2.35
